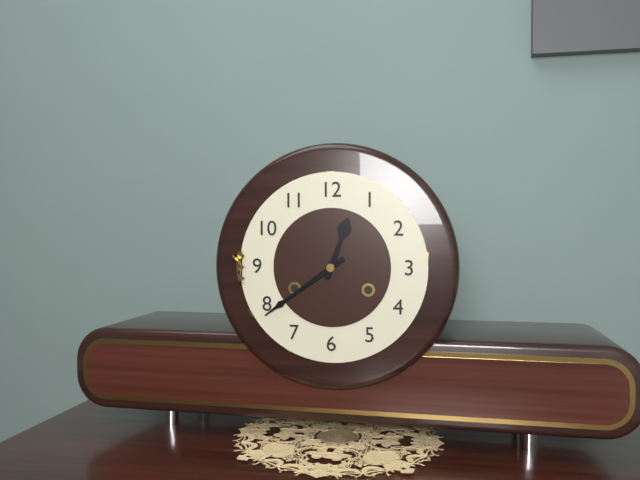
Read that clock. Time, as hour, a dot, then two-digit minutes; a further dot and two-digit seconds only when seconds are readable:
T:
12.39
